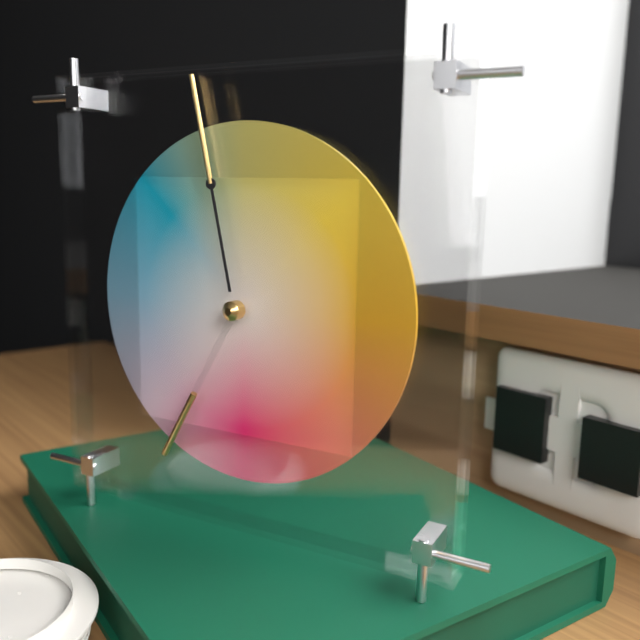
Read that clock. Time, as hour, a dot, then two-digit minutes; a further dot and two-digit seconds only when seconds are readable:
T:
6.58
